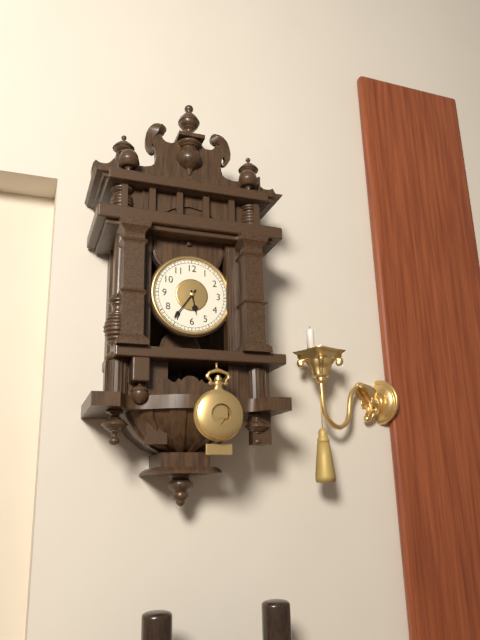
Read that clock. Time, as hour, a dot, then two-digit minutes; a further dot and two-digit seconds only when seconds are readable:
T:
5.36
